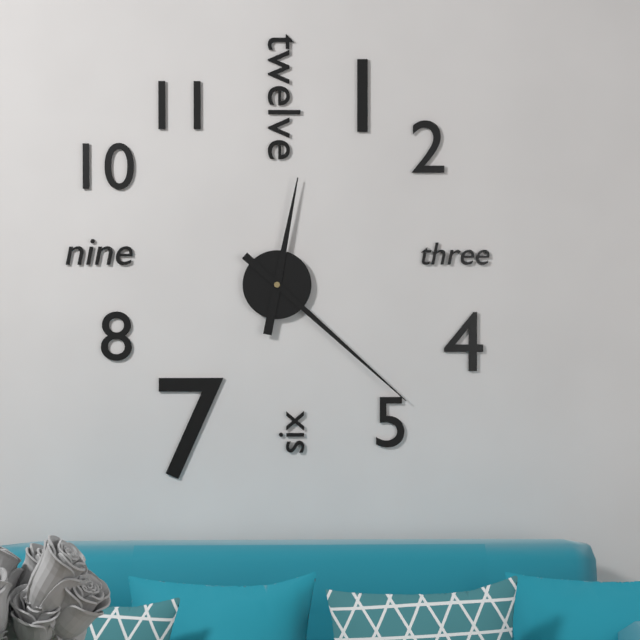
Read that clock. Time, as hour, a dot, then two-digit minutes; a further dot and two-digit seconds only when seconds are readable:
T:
12.22
